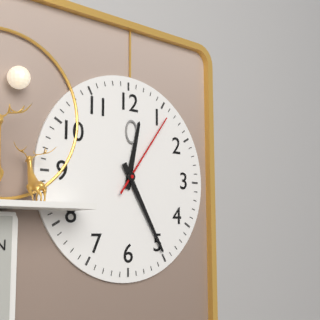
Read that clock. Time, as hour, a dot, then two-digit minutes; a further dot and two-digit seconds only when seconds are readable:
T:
12.25.06
